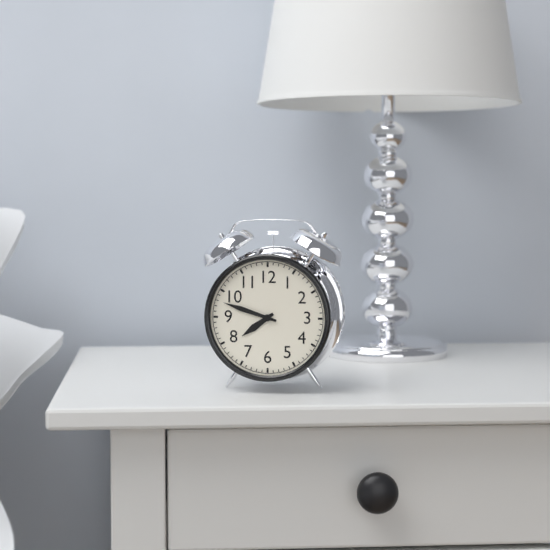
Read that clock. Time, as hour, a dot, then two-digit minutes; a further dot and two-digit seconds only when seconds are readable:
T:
7.48
